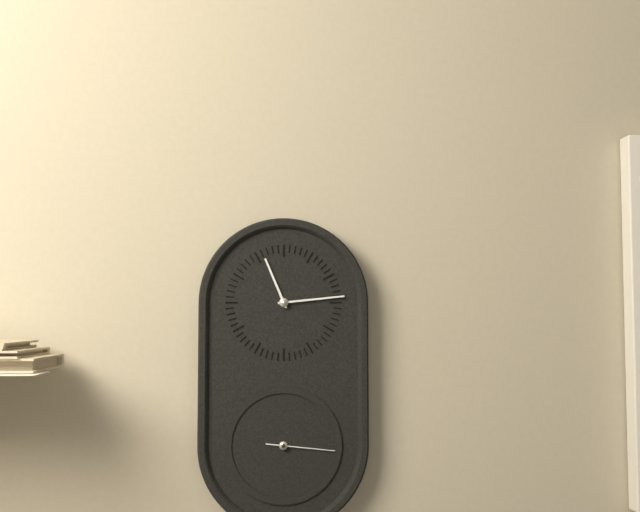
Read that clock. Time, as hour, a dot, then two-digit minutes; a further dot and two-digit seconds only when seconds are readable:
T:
11.14.16
